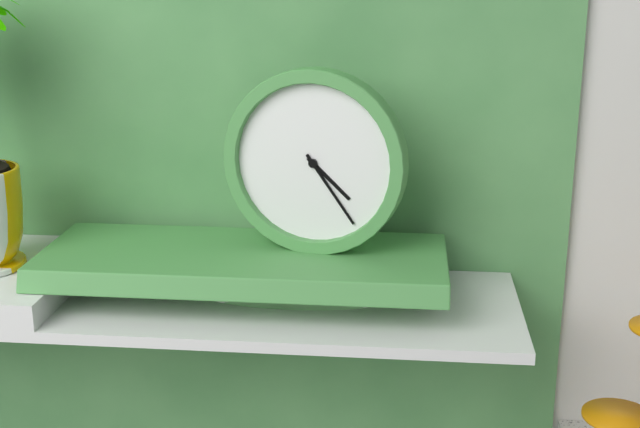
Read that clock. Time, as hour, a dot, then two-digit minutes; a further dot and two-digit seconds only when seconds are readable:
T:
4.24
